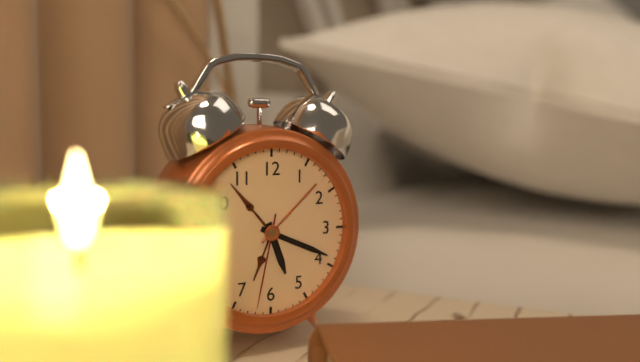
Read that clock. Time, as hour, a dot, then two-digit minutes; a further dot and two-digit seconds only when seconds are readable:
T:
5.19.32
